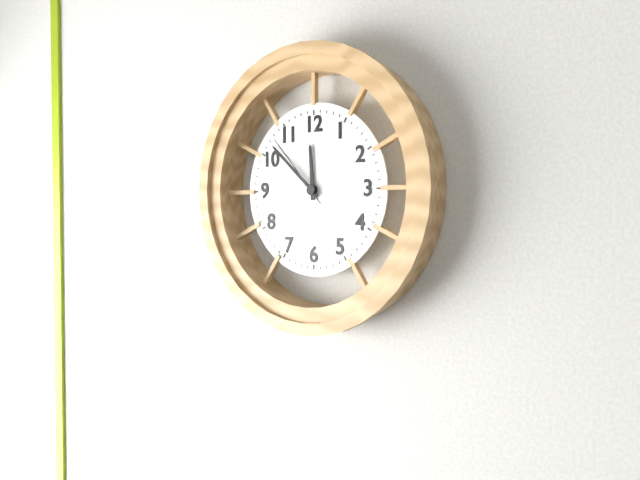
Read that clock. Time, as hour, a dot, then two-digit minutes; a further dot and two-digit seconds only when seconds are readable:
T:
11.52.53
